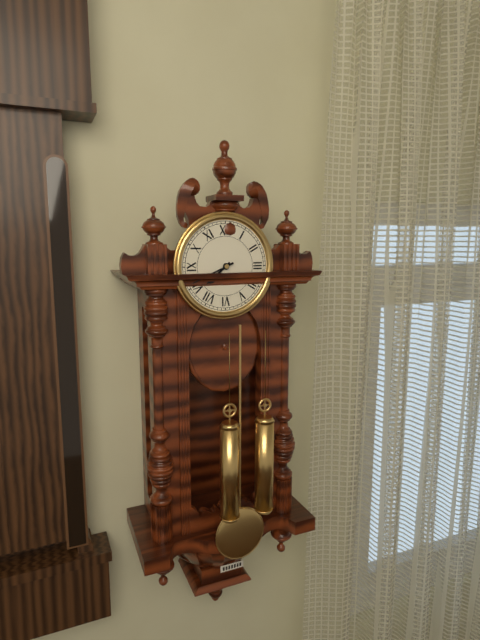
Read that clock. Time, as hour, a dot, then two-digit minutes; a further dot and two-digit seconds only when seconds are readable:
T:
7.41
